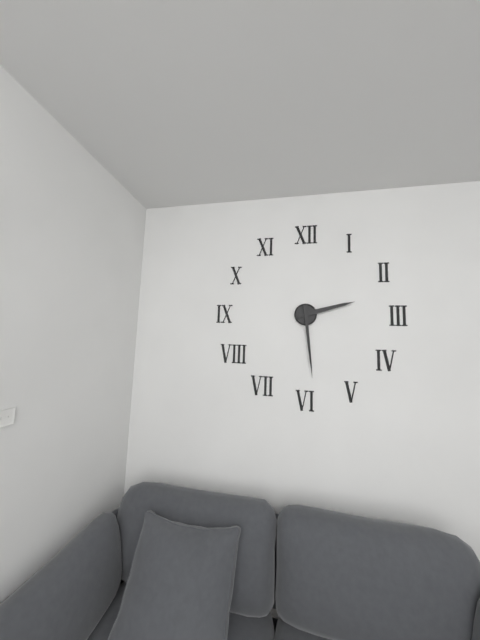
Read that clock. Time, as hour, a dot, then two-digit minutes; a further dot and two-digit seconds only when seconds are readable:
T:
2.29
